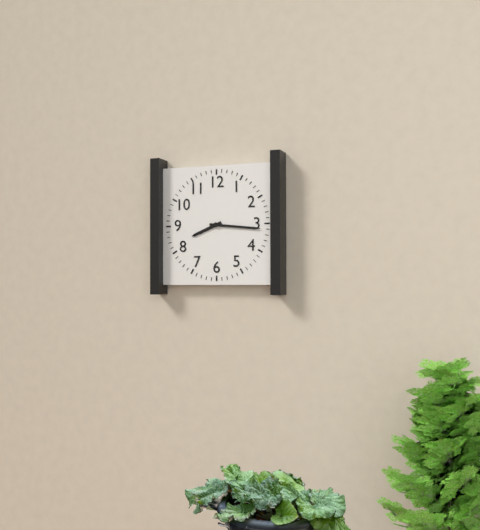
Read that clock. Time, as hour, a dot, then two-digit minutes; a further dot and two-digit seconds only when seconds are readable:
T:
8.16
